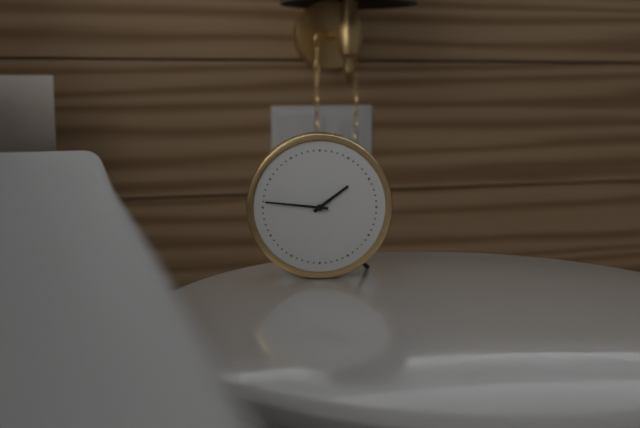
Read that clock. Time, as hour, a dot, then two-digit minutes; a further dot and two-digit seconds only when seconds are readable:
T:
1.46
